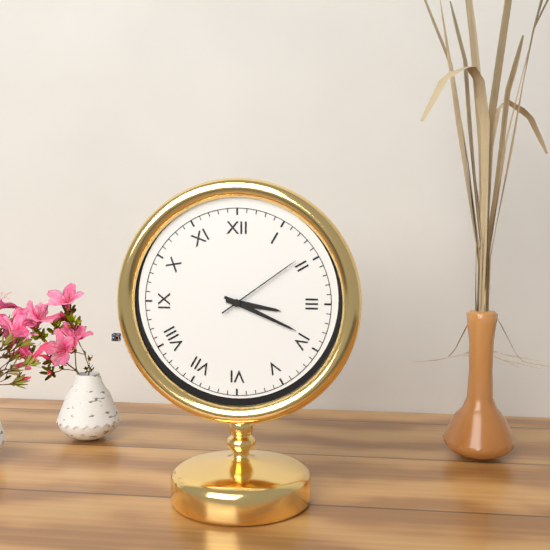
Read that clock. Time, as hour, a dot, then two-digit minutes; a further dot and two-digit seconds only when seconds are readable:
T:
3.19.09
